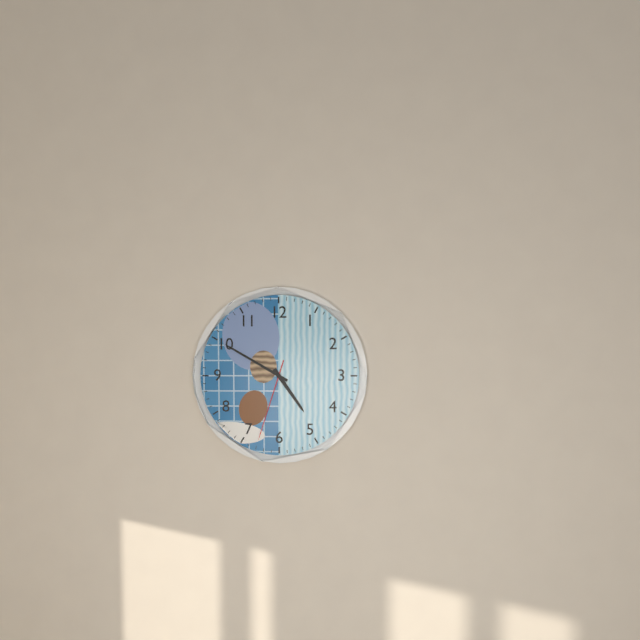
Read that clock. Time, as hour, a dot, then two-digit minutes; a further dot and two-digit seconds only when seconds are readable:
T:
4.50.33
